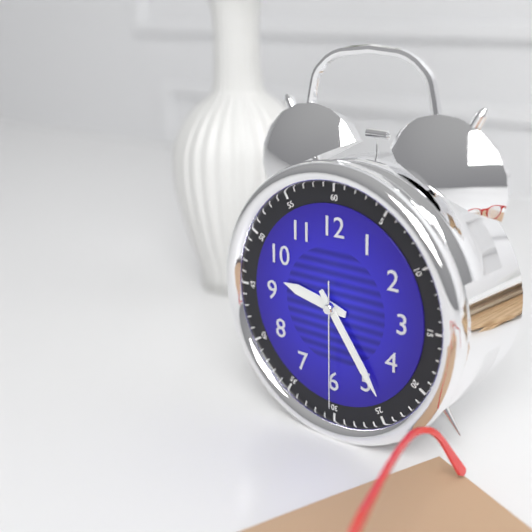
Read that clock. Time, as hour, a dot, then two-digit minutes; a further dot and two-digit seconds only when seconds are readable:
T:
9.24.30
